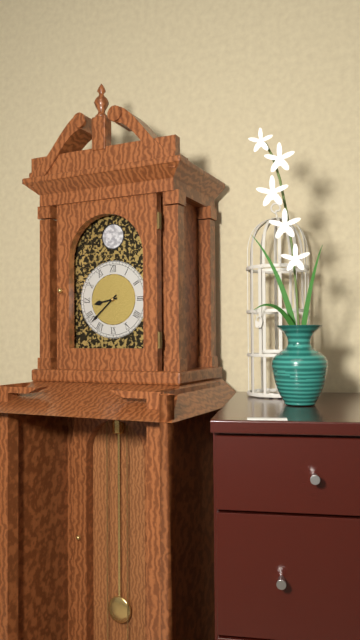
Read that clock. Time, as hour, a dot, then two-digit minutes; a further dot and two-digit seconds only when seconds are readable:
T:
8.38
